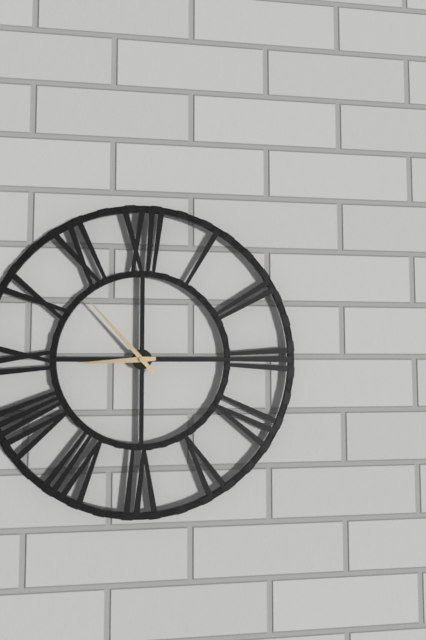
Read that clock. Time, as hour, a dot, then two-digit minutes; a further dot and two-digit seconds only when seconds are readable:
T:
8.53
